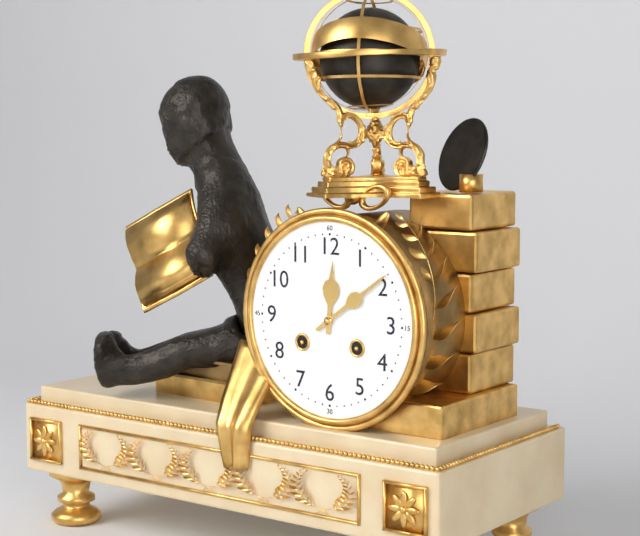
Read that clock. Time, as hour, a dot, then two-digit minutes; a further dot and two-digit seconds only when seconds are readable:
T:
12.09
